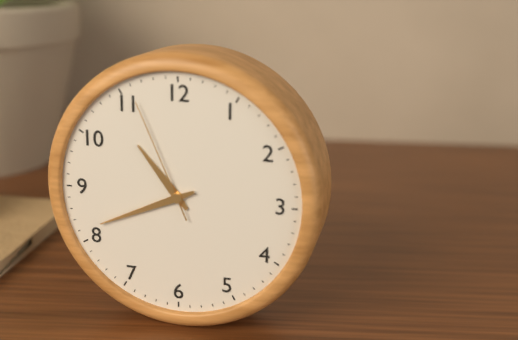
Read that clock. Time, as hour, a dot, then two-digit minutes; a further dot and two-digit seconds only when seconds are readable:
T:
10.41.56
